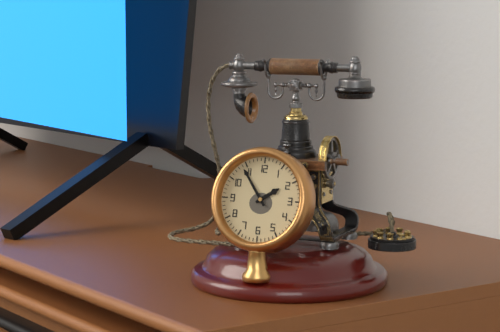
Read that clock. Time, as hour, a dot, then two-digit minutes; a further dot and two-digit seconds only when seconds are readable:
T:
1.54
